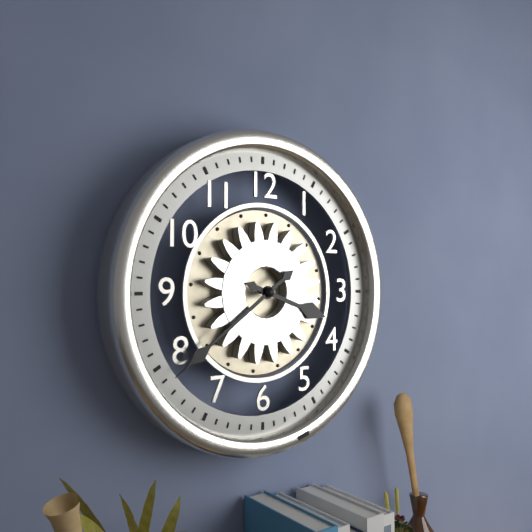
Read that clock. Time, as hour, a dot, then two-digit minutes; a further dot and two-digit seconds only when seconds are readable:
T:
3.39
